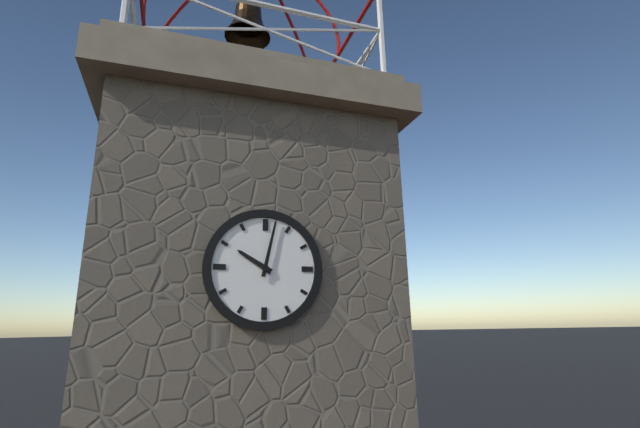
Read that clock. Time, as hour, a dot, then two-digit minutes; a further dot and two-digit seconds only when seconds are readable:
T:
10.02
